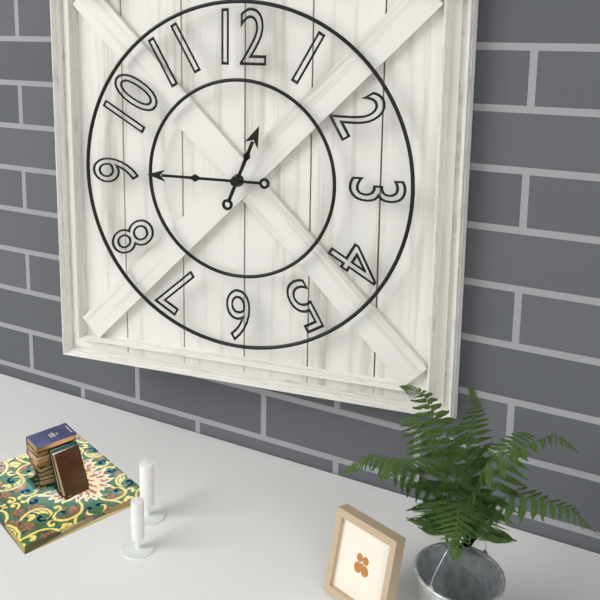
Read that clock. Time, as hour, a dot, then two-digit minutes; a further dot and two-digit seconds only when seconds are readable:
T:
12.45
